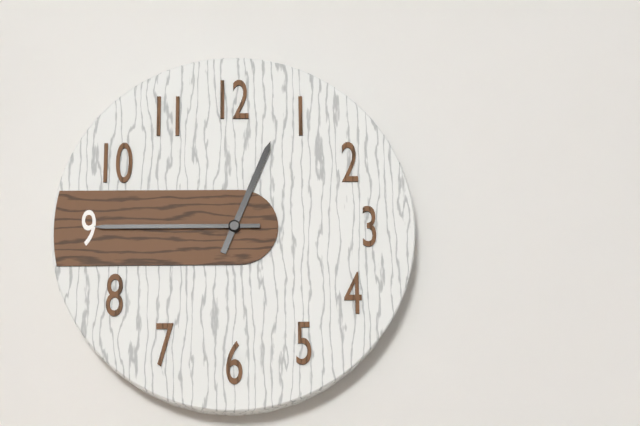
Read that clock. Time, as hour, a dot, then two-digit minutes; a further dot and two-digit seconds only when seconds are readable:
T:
12.45
